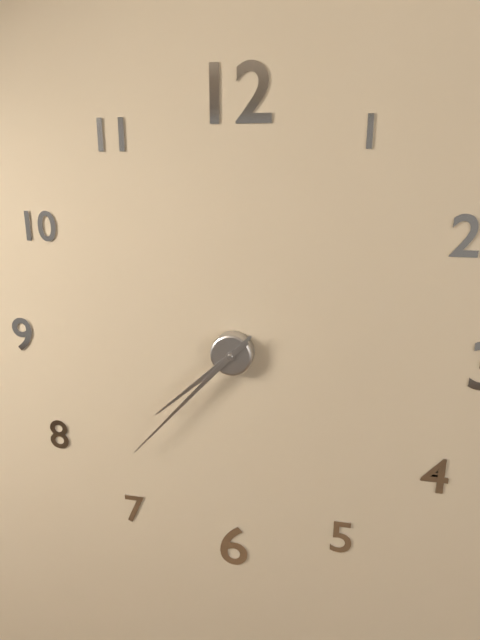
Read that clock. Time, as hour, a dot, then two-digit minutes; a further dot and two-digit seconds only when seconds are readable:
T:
7.37
